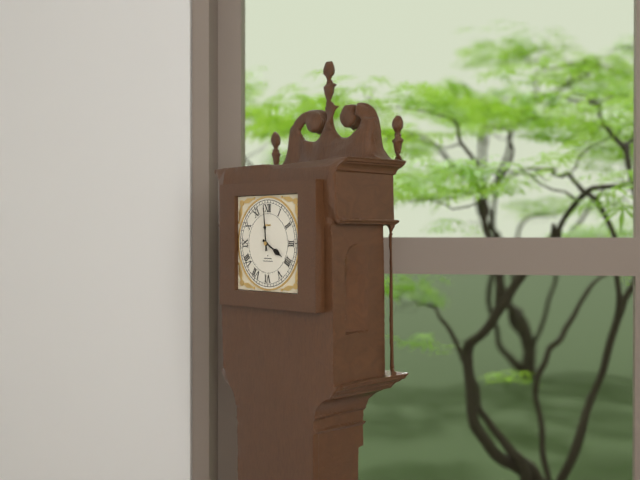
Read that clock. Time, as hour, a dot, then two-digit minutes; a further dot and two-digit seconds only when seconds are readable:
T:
3.59
